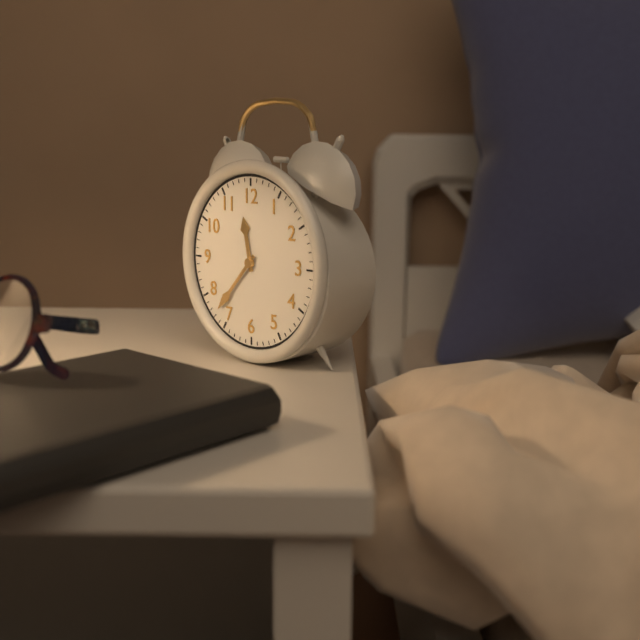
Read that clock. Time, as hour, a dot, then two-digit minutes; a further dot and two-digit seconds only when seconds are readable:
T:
11.37
